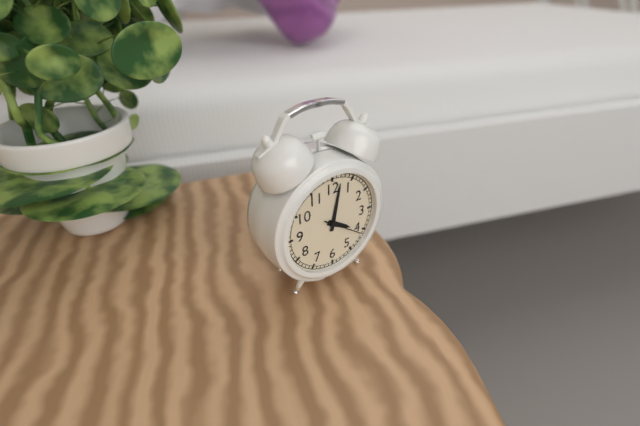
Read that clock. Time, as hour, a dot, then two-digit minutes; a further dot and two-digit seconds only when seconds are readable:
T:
4.02
